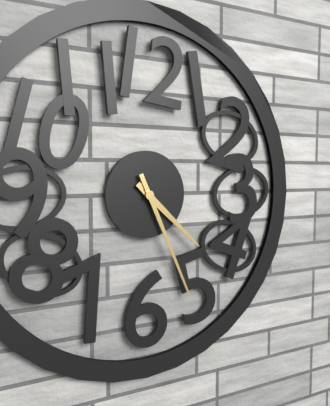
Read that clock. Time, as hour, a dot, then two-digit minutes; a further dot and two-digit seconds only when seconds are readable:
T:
4.26
